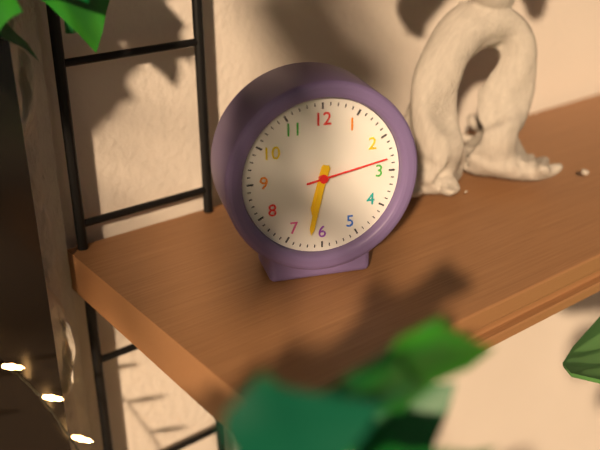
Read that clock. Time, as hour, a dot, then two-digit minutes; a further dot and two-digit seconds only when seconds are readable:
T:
6.32.13
